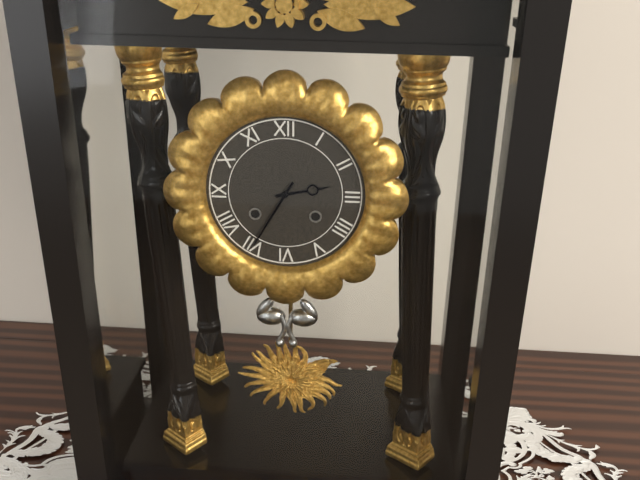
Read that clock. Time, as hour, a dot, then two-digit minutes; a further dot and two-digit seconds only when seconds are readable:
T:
2.35
